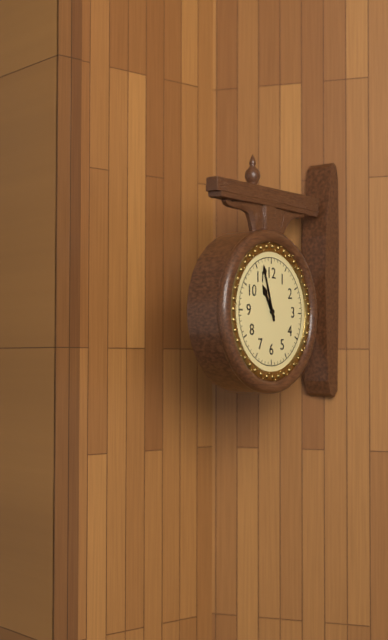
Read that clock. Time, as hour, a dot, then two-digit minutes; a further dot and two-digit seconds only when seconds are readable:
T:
10.57
